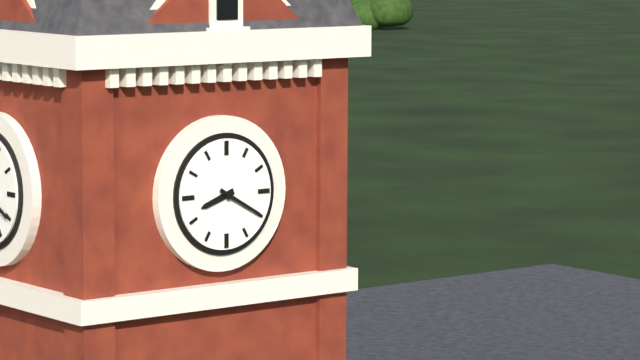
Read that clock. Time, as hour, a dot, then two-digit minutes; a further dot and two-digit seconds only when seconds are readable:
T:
8.20
